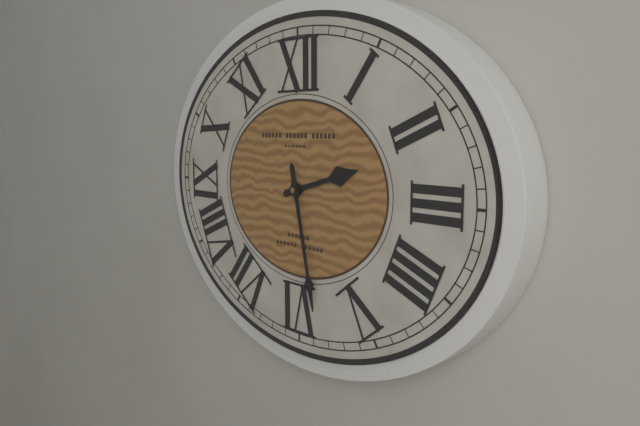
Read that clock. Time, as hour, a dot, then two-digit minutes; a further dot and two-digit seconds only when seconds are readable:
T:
2.28
